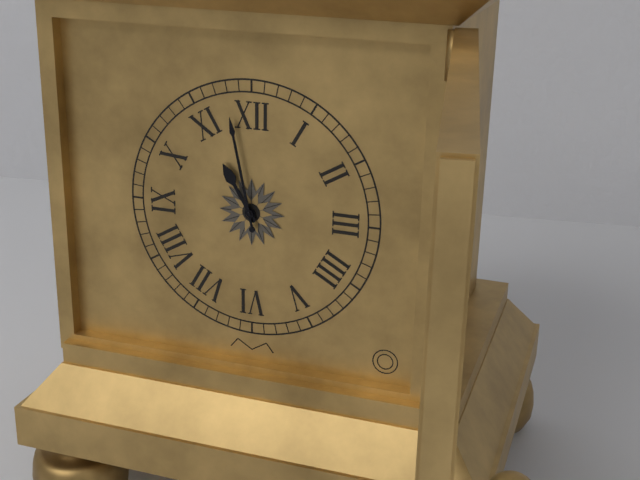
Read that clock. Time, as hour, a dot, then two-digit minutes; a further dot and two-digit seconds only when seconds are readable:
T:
10.58
